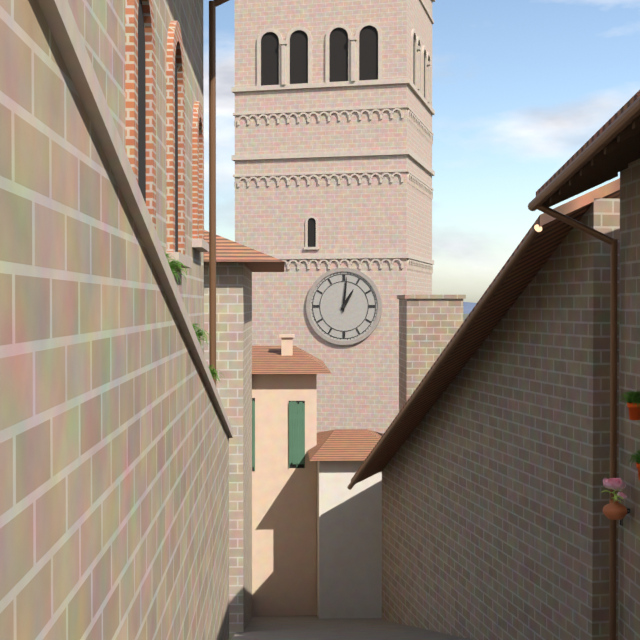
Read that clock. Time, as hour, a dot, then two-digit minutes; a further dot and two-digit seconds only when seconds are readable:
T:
1.01
